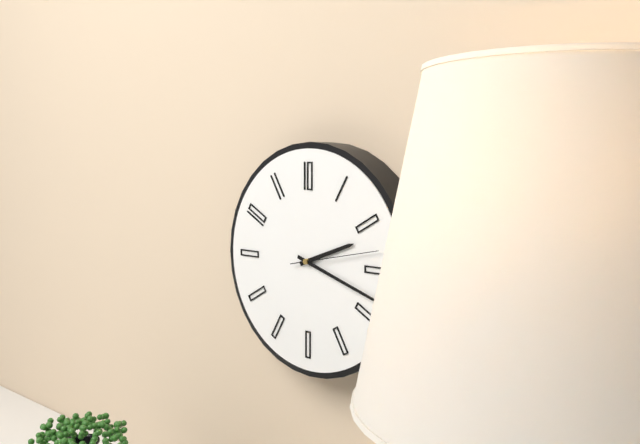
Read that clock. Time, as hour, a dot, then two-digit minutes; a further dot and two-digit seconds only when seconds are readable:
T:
2.18.13
